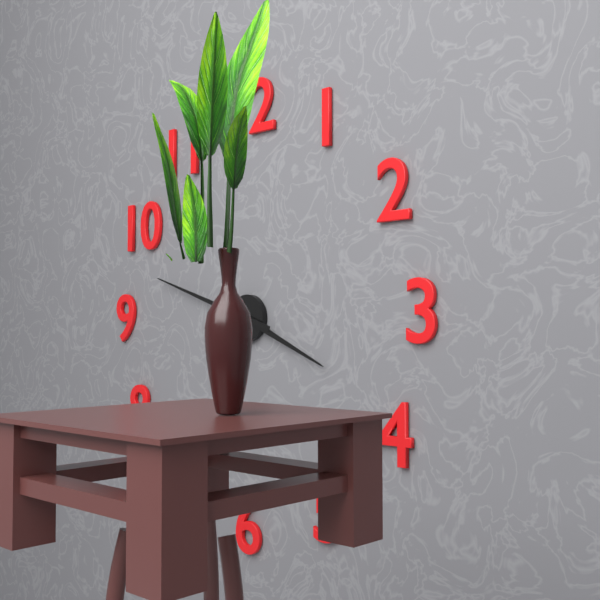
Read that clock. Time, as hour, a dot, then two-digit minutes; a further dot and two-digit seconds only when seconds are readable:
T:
3.48
